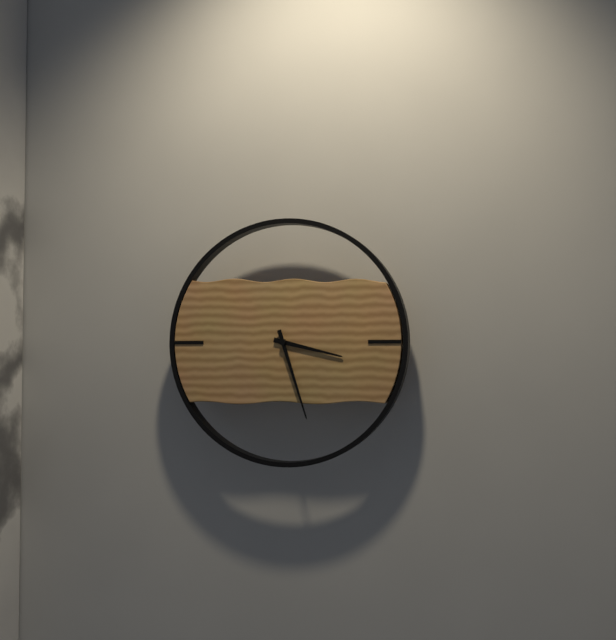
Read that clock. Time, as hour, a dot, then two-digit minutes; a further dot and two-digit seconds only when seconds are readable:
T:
3.27
